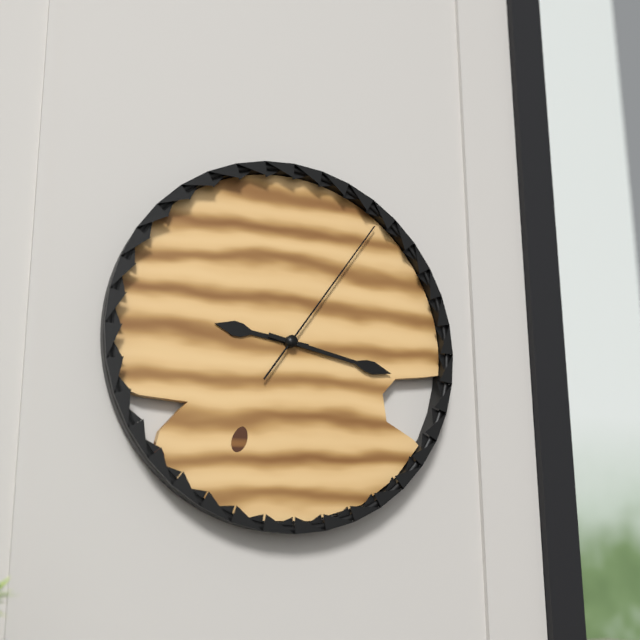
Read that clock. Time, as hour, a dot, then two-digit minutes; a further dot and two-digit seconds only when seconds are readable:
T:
9.17.06
